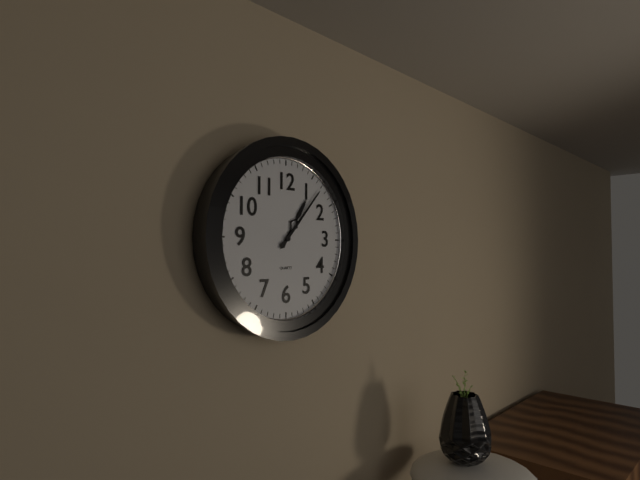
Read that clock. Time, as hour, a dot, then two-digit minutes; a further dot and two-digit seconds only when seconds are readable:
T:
1.07
